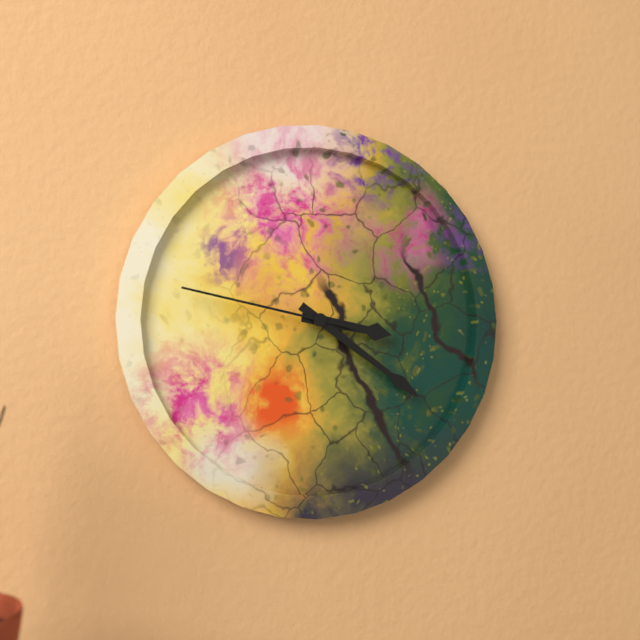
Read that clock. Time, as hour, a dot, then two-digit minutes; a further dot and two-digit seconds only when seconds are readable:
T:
3.21.47
